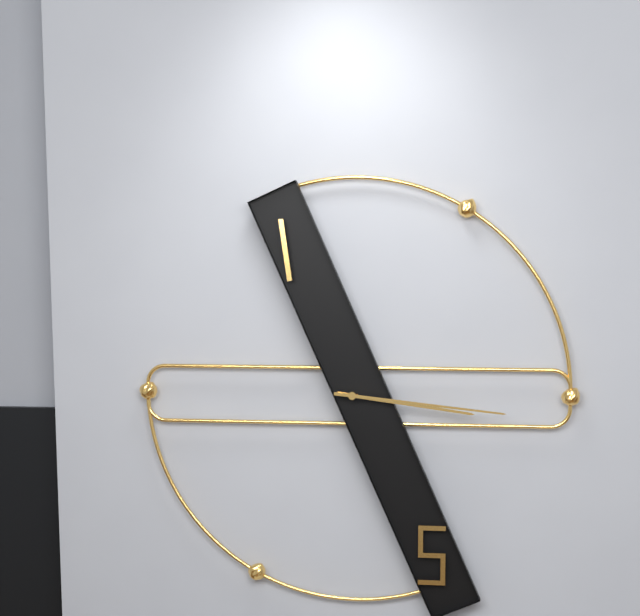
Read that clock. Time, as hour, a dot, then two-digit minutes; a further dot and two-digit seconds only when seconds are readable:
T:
3.16
